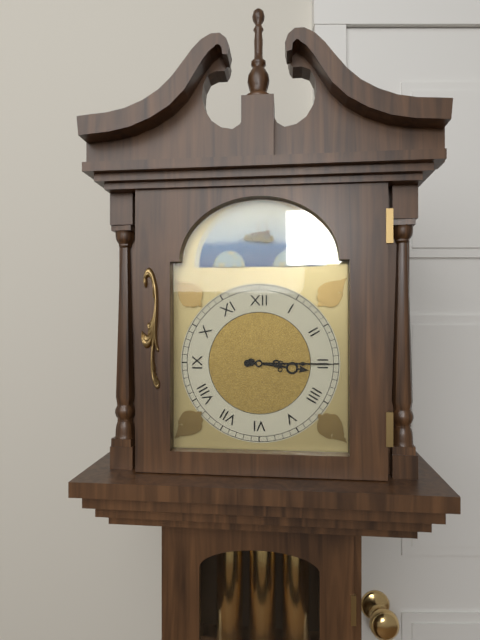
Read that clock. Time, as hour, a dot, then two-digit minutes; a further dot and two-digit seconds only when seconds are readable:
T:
3.15
